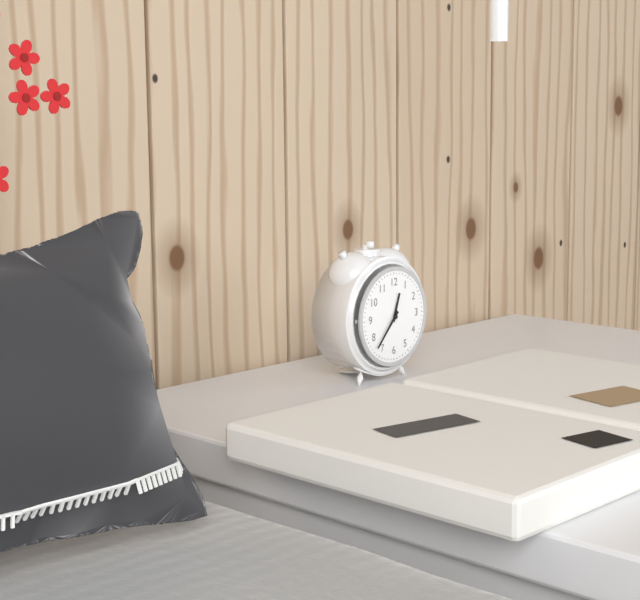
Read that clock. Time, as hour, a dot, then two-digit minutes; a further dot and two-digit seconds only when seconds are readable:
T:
12.37
